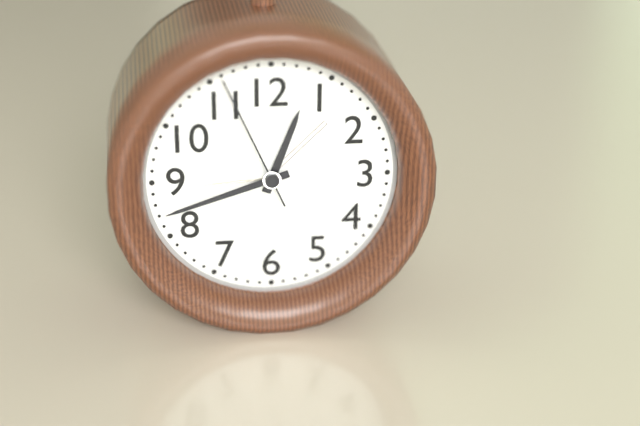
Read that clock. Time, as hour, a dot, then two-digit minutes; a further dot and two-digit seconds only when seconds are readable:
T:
12.42.56
